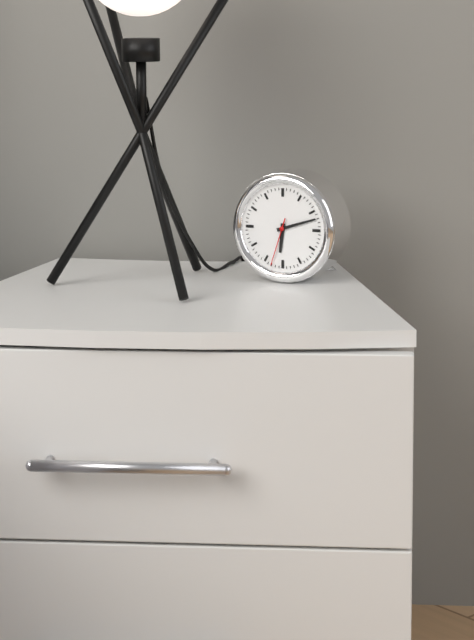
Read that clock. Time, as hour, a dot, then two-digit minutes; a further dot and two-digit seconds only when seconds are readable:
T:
6.12.33
